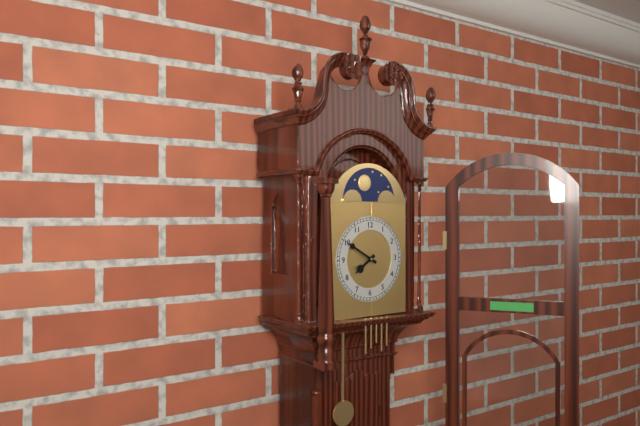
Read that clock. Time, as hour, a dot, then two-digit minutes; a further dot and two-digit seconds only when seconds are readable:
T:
7.50
